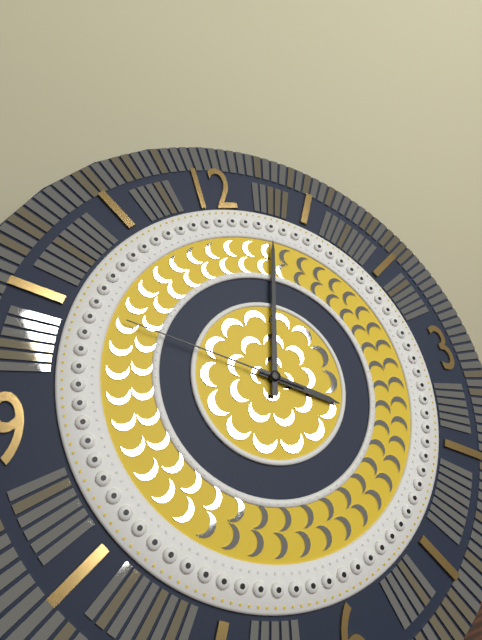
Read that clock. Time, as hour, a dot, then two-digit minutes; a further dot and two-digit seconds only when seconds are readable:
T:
4.03.50
